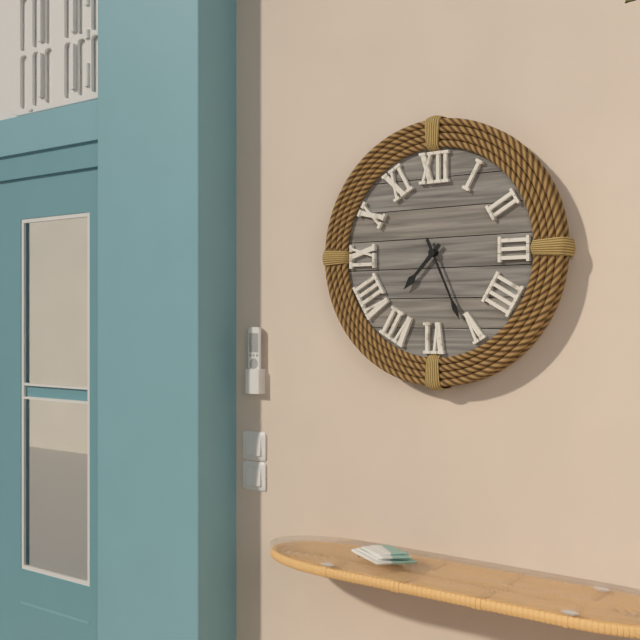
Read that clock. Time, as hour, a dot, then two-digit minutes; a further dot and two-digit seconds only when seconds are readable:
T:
7.26
